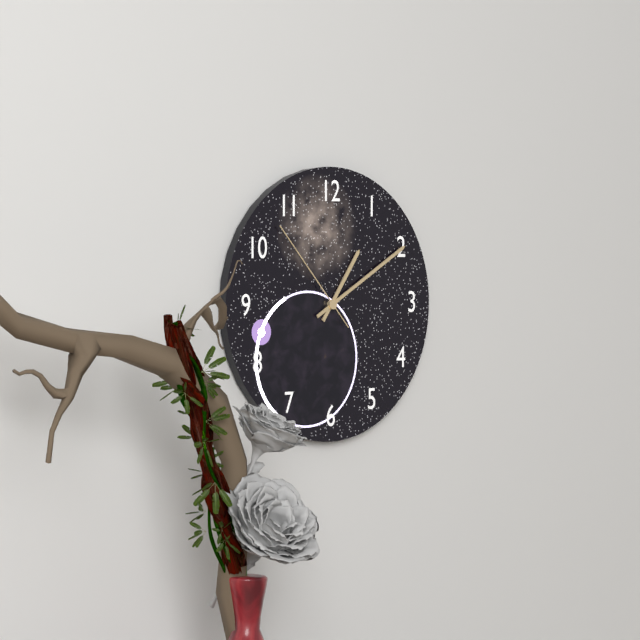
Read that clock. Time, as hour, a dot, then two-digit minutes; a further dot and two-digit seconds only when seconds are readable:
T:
1.10.53
